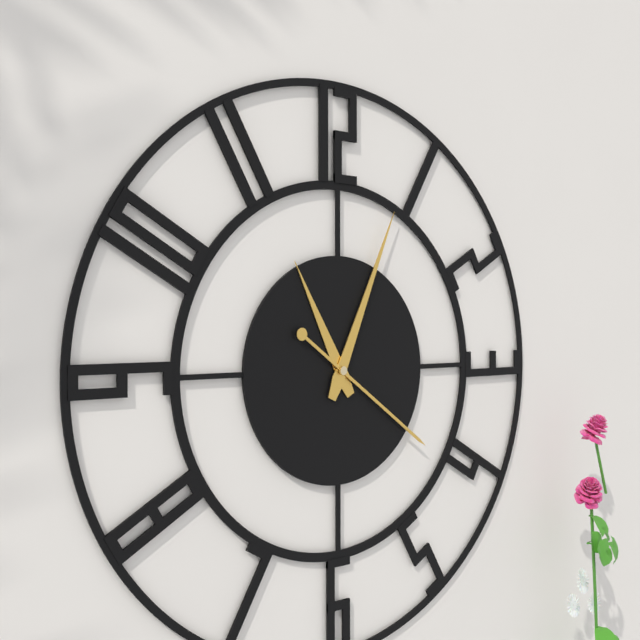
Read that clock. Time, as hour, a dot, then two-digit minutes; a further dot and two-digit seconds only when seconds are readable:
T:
11.04.21
